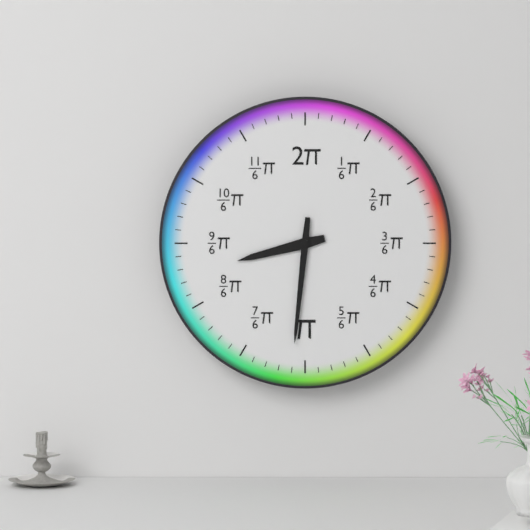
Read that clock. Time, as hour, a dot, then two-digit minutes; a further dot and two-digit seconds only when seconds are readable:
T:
8.31
